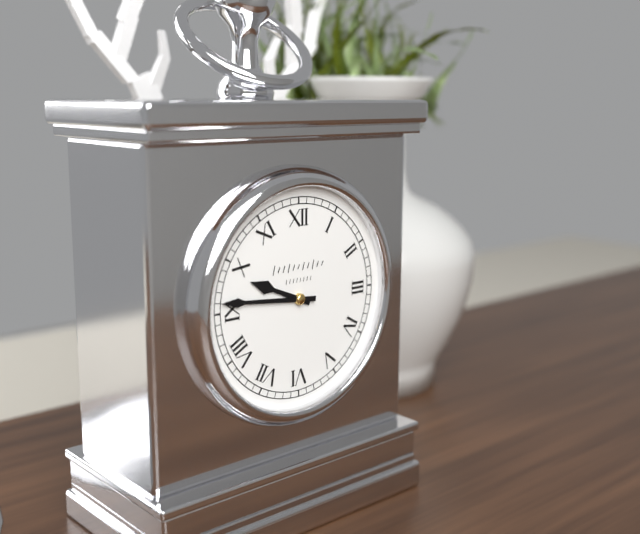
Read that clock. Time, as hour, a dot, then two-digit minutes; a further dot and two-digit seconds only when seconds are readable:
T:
9.46
